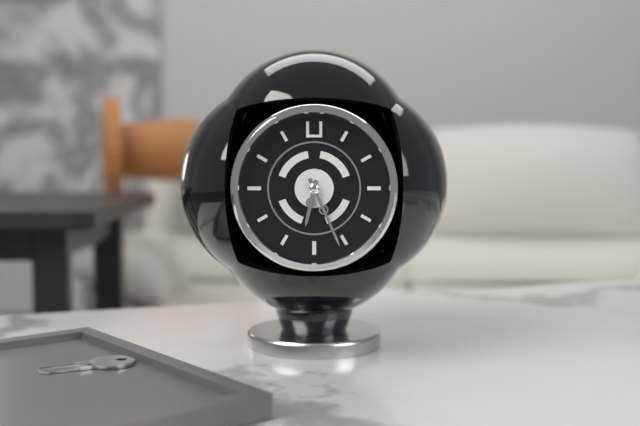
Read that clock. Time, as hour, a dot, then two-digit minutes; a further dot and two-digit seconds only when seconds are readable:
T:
6.26
